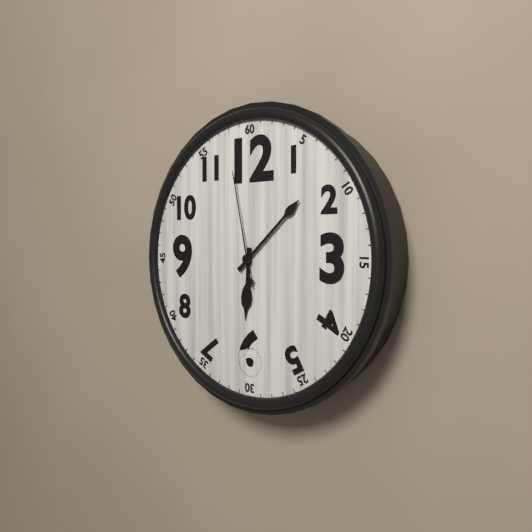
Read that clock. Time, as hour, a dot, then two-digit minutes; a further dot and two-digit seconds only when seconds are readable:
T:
6.08.58
